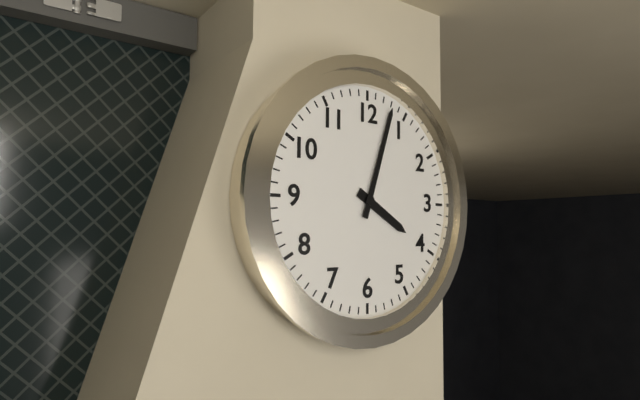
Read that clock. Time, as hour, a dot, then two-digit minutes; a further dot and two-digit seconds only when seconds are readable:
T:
4.03
